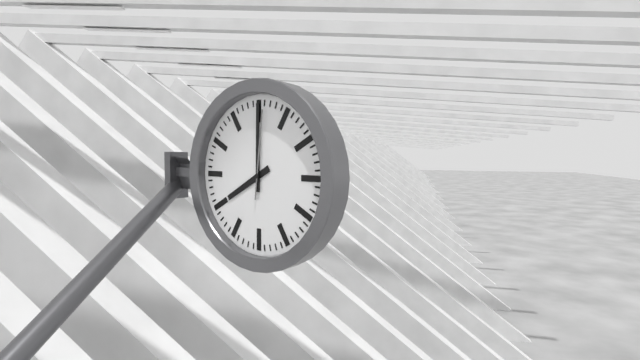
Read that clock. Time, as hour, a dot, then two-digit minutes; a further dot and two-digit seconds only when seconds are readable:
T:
8.00.01
